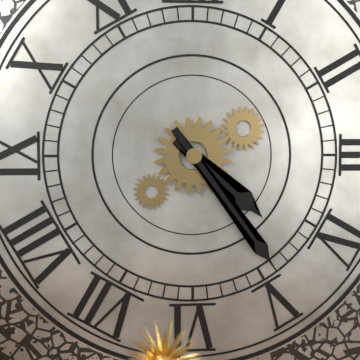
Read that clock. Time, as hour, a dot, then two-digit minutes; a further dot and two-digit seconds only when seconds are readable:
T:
4.24
